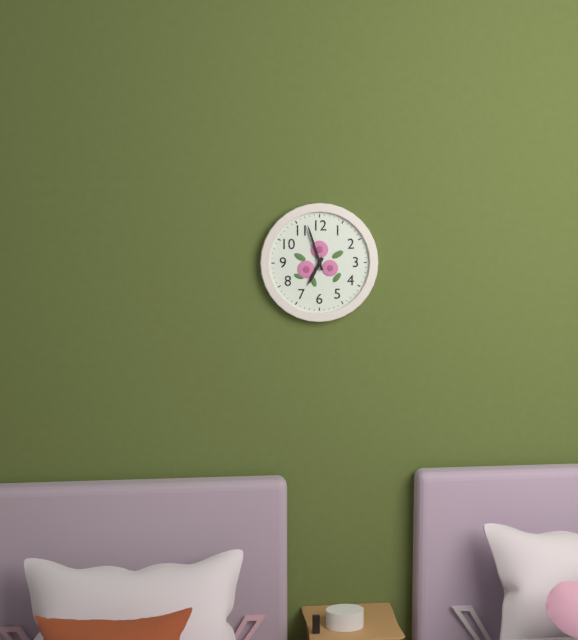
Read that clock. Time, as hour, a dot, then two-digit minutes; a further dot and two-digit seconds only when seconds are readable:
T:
6.57
